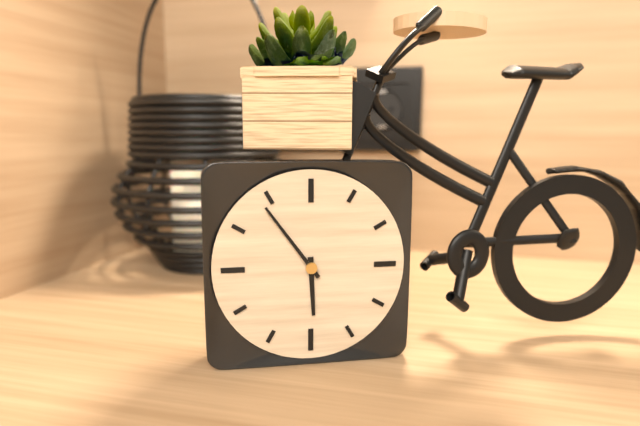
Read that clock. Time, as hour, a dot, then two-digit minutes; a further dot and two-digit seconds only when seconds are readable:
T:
5.54
